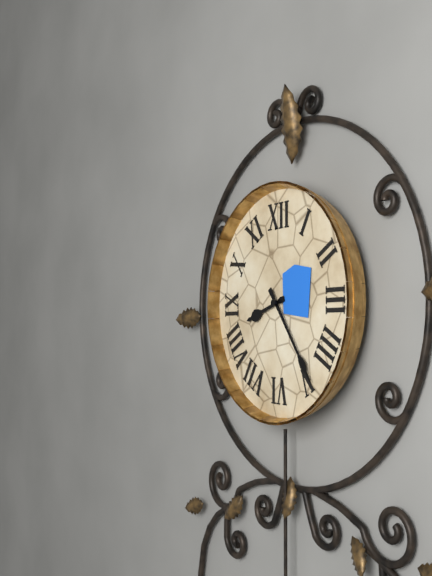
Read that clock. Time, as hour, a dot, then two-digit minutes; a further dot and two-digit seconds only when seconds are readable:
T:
8.24
